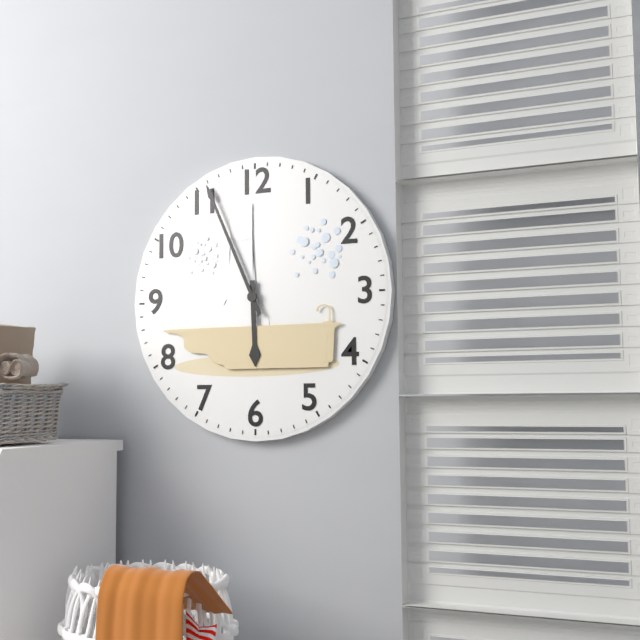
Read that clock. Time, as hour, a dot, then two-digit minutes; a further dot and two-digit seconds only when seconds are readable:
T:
5.56
